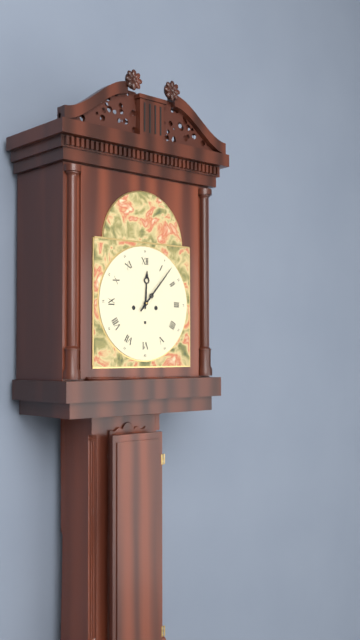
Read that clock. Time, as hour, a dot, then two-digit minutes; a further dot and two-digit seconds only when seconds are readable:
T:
12.07
